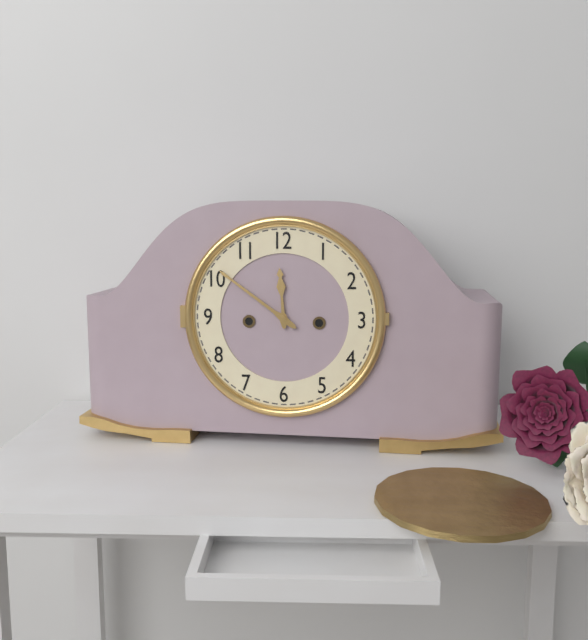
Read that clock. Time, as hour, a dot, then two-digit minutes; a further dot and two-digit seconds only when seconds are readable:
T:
11.51
